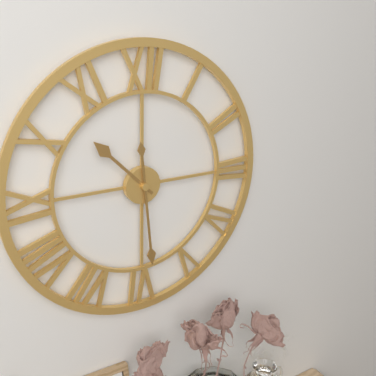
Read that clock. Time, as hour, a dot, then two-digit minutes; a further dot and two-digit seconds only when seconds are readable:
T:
10.29
